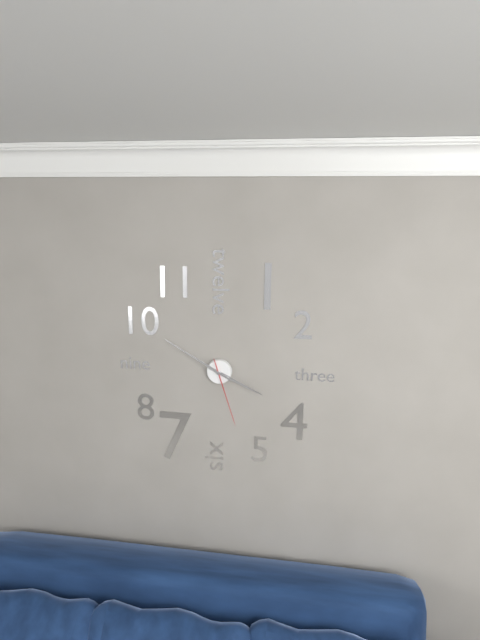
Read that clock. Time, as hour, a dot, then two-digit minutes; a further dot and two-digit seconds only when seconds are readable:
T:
3.50.27
